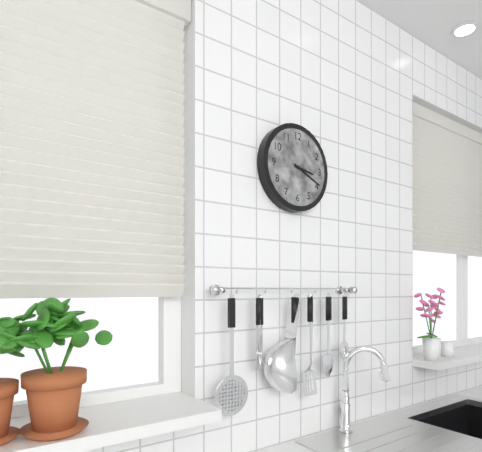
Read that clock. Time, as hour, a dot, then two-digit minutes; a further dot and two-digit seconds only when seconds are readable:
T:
3.19
